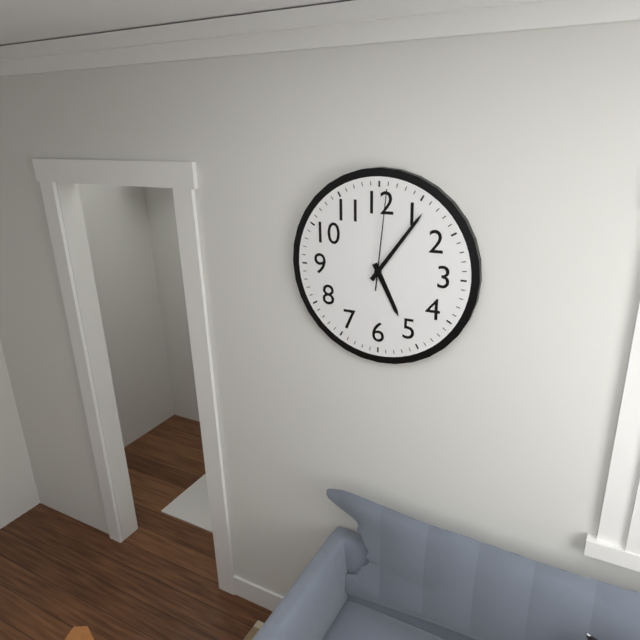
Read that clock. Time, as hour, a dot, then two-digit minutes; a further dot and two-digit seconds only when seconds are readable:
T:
5.06.01
